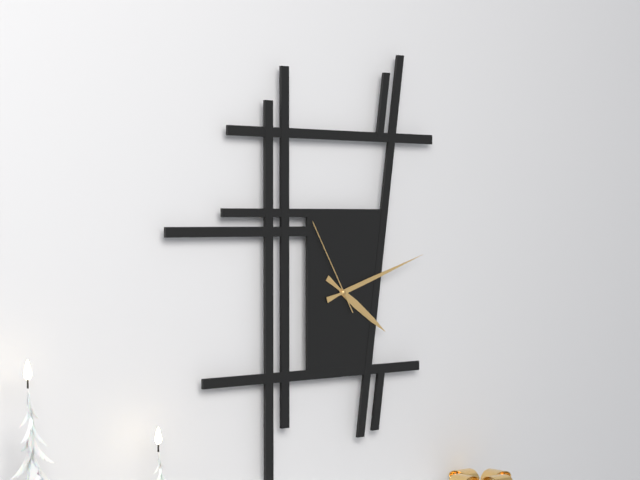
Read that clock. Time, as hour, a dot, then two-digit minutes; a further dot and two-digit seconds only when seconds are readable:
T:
4.12.55
